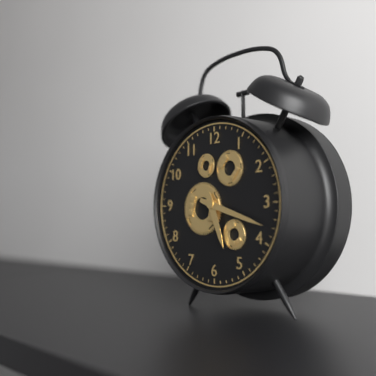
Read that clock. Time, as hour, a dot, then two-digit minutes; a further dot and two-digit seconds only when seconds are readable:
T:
5.18
